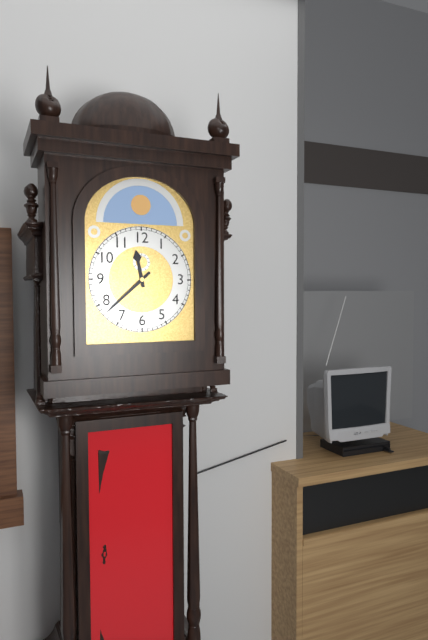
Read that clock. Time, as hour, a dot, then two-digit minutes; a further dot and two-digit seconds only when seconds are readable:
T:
11.38
